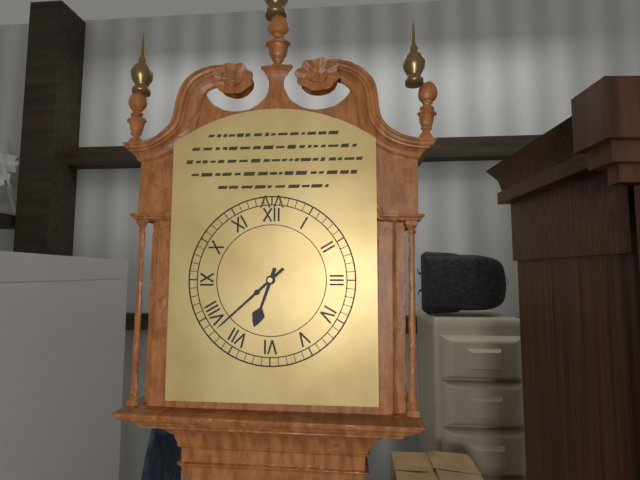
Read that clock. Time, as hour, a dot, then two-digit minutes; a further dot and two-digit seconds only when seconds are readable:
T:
6.38
